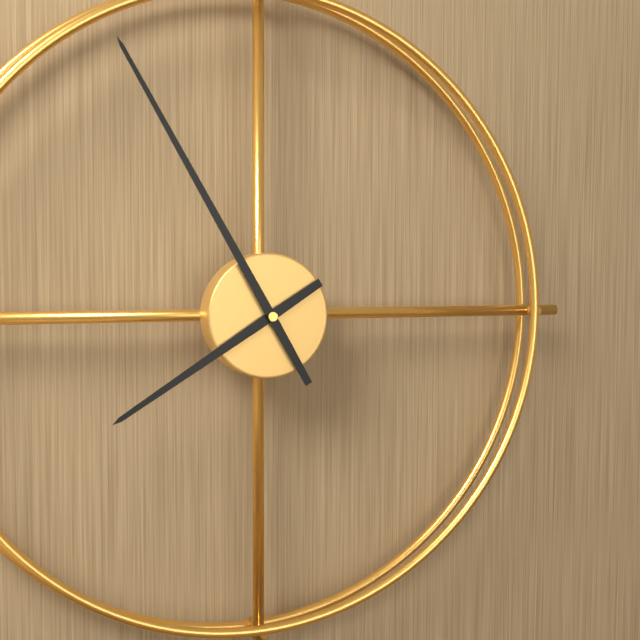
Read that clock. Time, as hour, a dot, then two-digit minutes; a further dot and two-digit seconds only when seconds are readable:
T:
7.55
